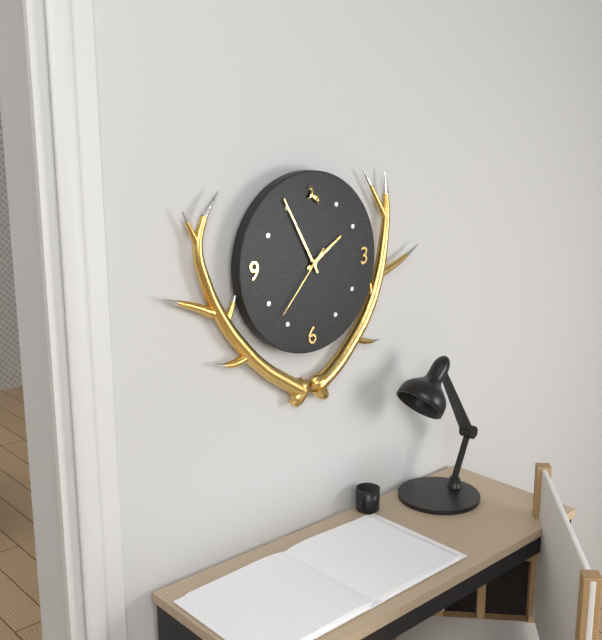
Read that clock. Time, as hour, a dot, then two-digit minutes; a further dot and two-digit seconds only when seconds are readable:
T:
1.55.37
